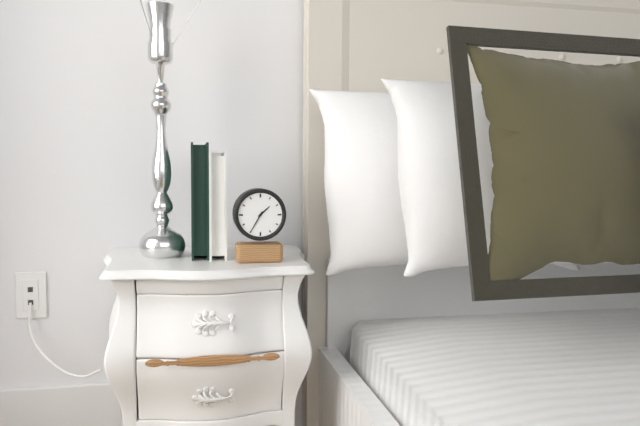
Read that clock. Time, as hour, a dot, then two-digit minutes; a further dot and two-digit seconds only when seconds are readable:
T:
1.35
